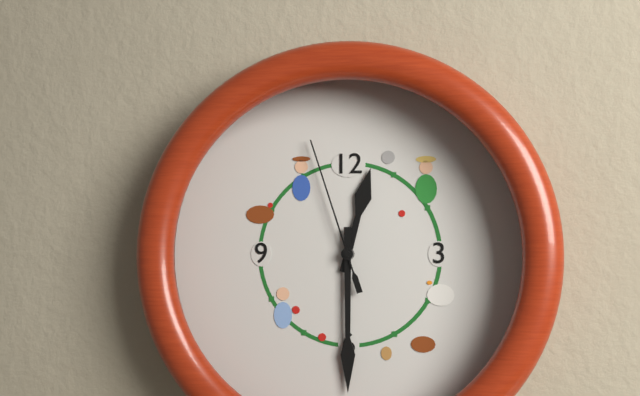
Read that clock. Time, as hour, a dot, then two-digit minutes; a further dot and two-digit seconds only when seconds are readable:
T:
12.30.57
